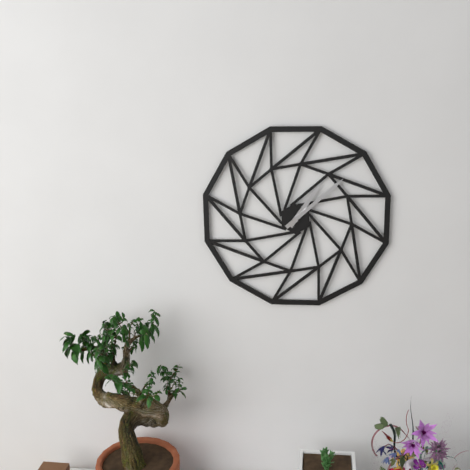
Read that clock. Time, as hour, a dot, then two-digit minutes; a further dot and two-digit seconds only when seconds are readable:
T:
1.08
